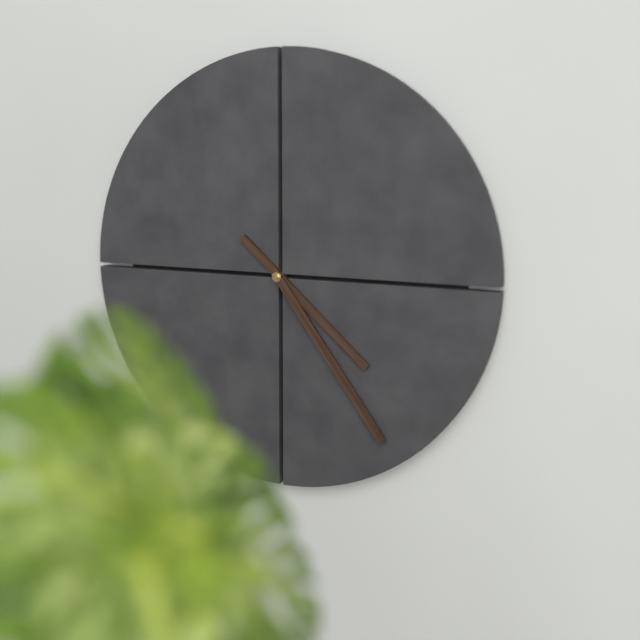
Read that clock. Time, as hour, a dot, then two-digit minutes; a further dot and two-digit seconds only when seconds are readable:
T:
4.24
